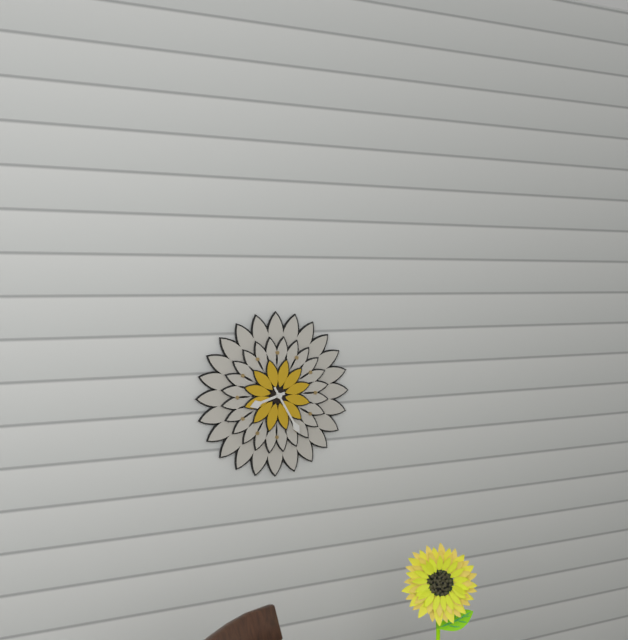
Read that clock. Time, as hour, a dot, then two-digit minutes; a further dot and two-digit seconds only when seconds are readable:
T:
8.25
